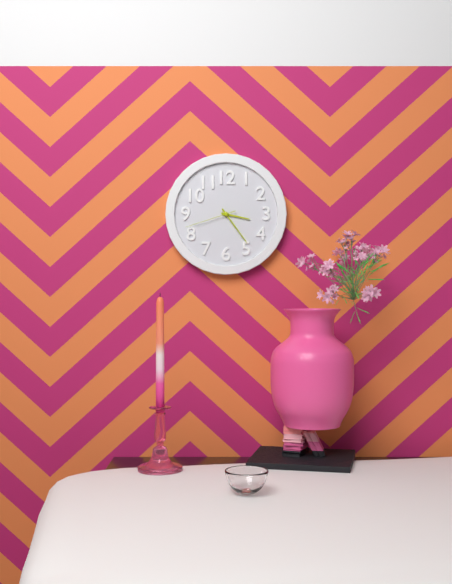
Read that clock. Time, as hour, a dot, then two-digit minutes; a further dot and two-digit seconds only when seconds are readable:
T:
3.24.42
